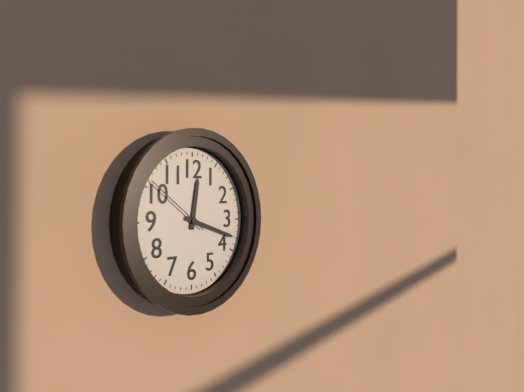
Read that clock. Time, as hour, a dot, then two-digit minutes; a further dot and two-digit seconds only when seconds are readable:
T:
12.18.51
